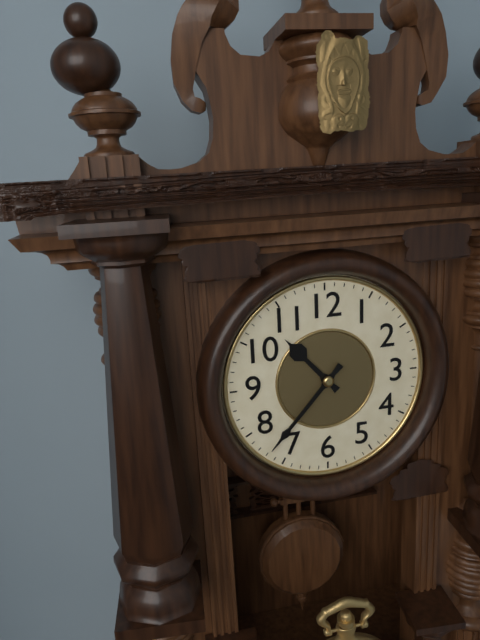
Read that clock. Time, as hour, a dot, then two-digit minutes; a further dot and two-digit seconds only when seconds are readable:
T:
10.37
